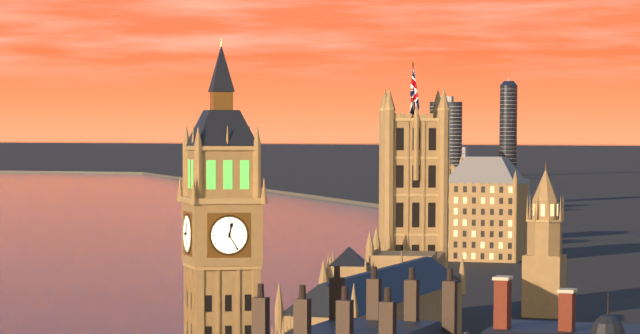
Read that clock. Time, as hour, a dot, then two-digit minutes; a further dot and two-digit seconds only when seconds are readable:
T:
12.25
